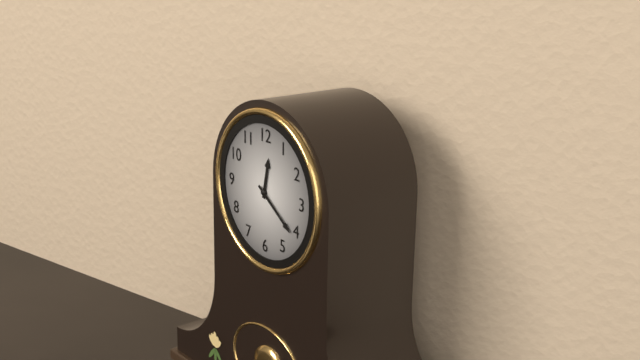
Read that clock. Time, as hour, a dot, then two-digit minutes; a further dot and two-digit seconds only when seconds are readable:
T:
12.21
